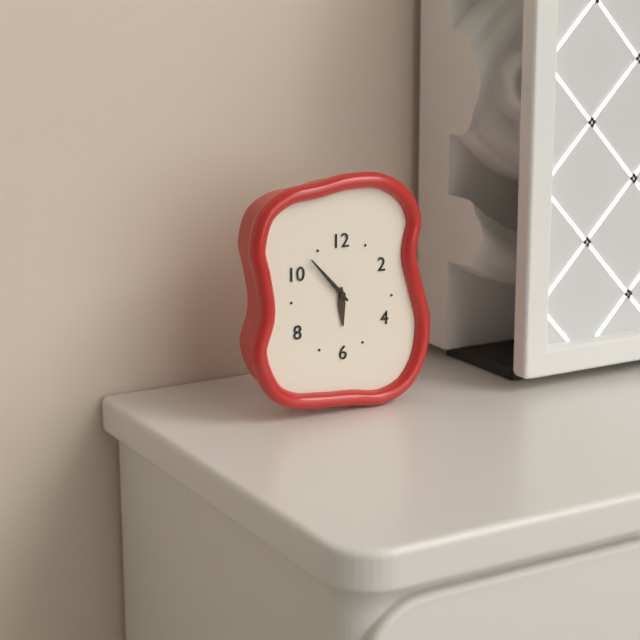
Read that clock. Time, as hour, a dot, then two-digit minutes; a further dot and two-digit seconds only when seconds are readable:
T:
5.53
